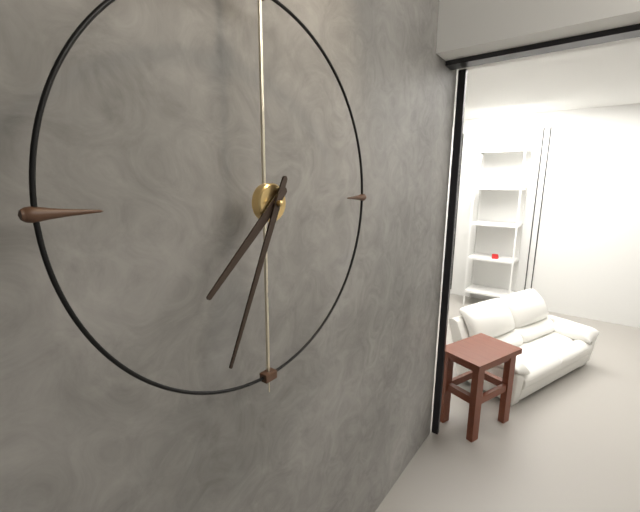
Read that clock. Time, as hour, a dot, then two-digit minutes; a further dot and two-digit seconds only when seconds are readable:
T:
7.34
